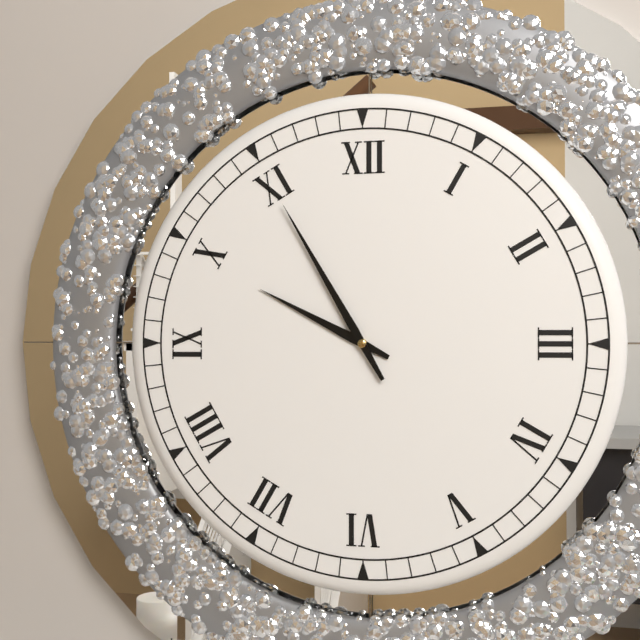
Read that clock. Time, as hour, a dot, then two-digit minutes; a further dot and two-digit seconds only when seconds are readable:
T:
9.55
